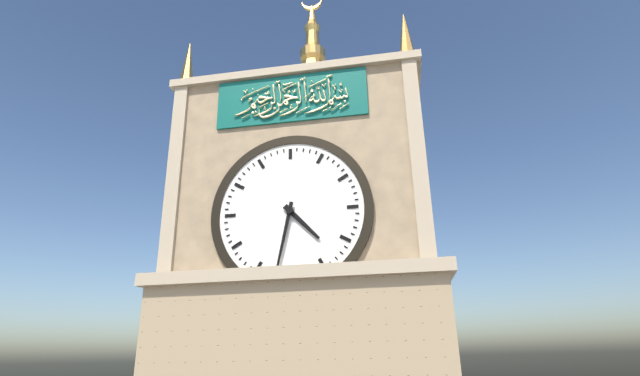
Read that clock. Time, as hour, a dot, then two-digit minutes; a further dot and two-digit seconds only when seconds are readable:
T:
4.32
